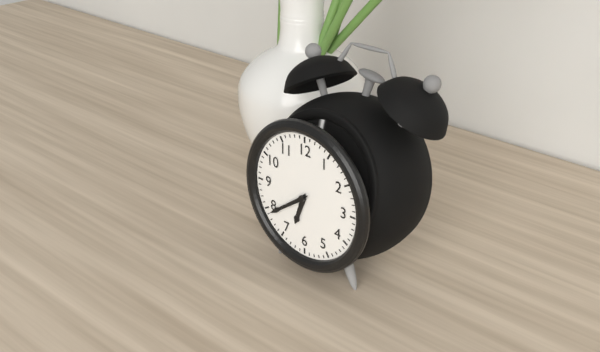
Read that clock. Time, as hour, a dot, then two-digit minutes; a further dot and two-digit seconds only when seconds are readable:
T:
6.39
